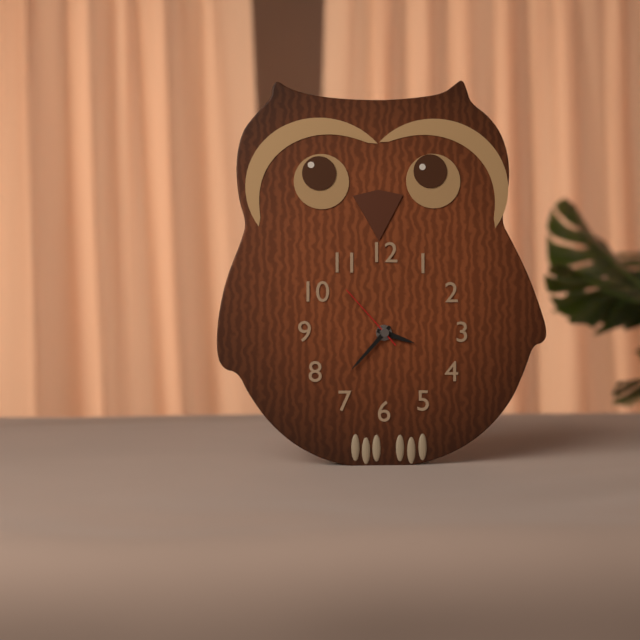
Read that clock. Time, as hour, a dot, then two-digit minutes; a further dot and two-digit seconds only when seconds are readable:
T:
3.37.53
